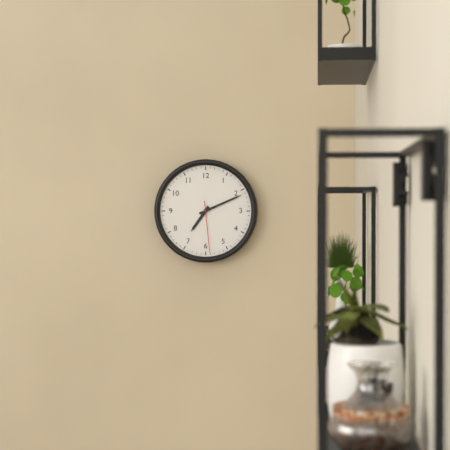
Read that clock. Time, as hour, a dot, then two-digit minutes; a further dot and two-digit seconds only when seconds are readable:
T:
7.11.29
